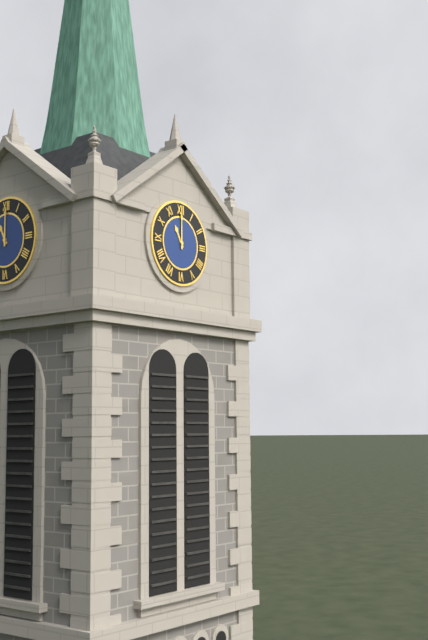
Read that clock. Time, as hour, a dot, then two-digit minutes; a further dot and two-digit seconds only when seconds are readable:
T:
11.00
